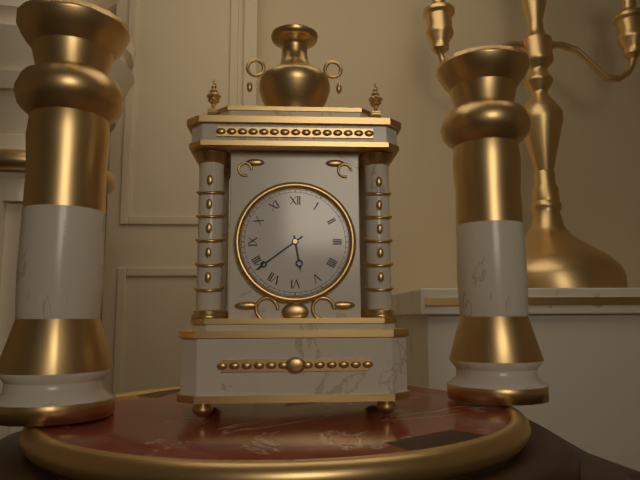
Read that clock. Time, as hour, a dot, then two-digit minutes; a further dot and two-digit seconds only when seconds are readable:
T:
5.39
